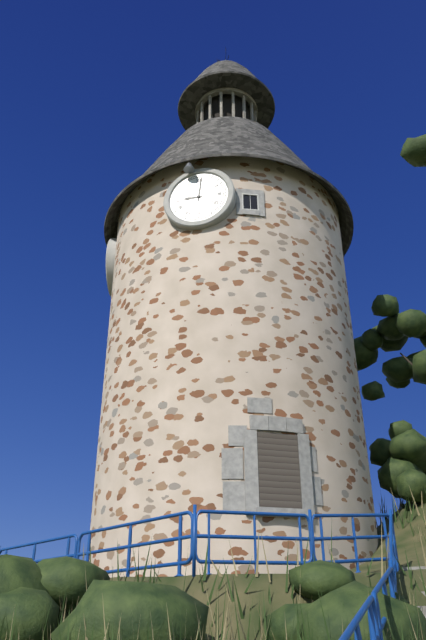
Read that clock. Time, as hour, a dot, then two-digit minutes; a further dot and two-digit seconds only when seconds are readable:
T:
9.01
